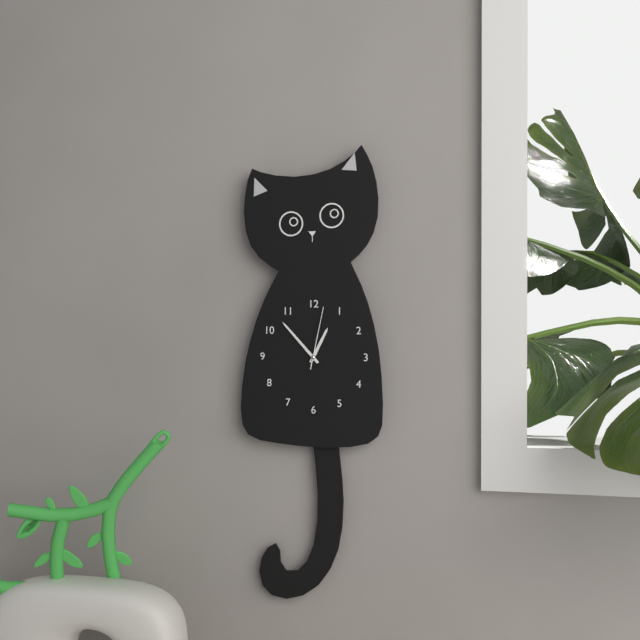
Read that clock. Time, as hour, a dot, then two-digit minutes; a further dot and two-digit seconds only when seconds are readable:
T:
12.53.02
